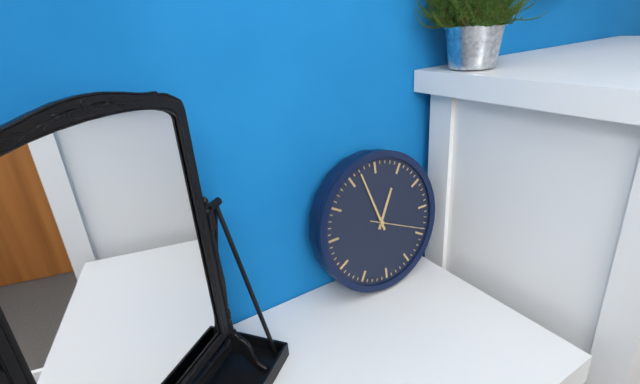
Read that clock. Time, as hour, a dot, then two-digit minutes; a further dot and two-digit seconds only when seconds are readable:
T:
12.57.19
